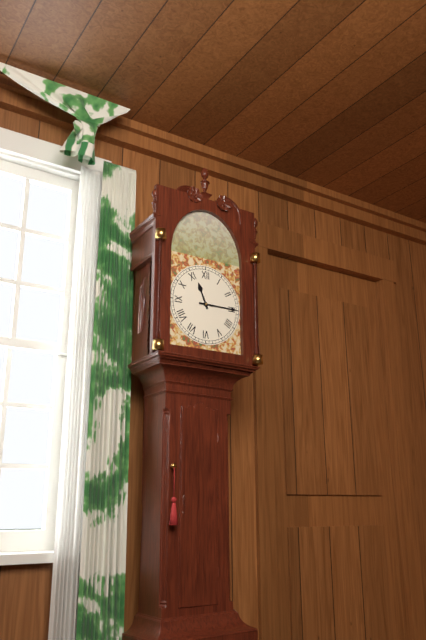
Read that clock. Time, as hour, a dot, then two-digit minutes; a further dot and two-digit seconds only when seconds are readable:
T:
11.15
